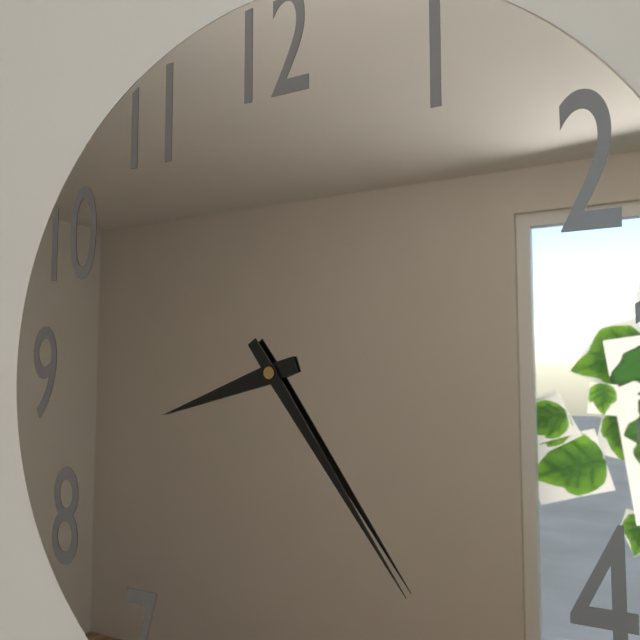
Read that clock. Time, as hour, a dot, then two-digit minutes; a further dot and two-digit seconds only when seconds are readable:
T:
8.24
